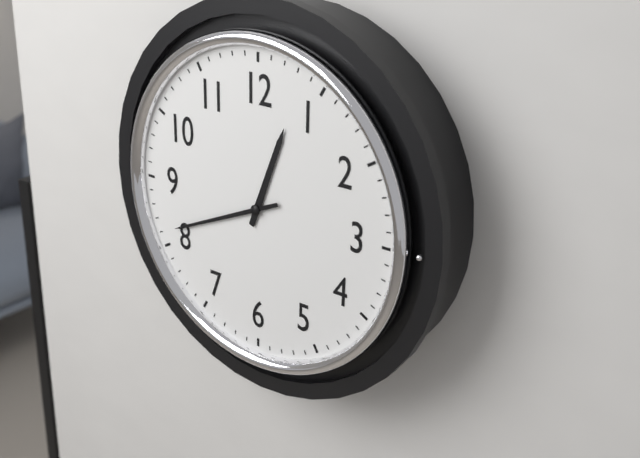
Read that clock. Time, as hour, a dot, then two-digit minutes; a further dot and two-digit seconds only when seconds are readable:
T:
12.41
